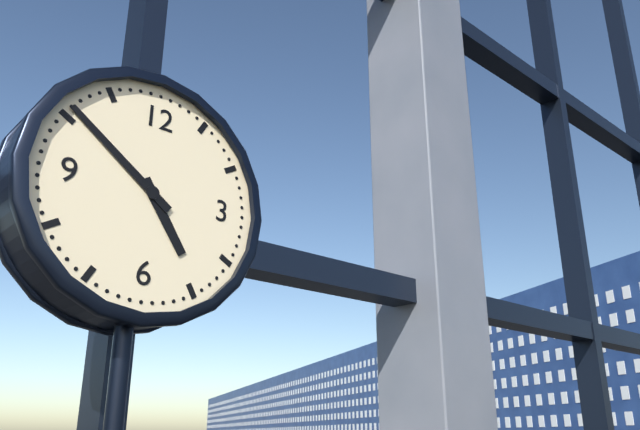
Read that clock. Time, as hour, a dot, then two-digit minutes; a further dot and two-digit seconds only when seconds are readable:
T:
4.51
